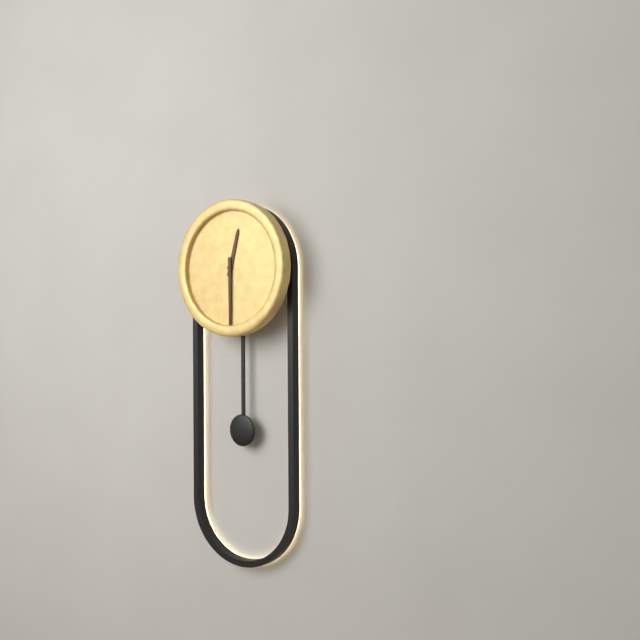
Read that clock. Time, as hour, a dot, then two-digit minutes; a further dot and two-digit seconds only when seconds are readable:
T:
12.30
